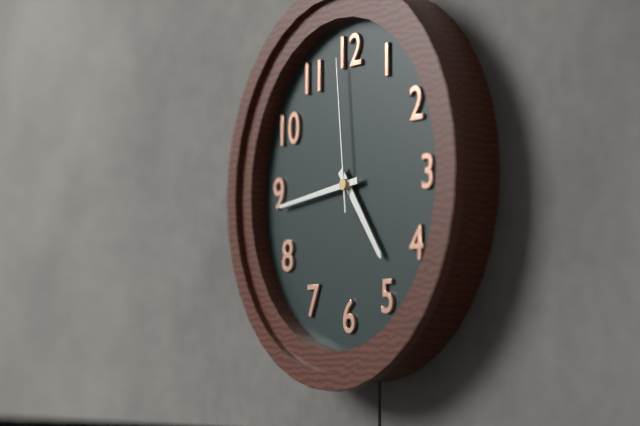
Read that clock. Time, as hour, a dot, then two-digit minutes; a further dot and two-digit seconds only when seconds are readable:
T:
4.44.59
